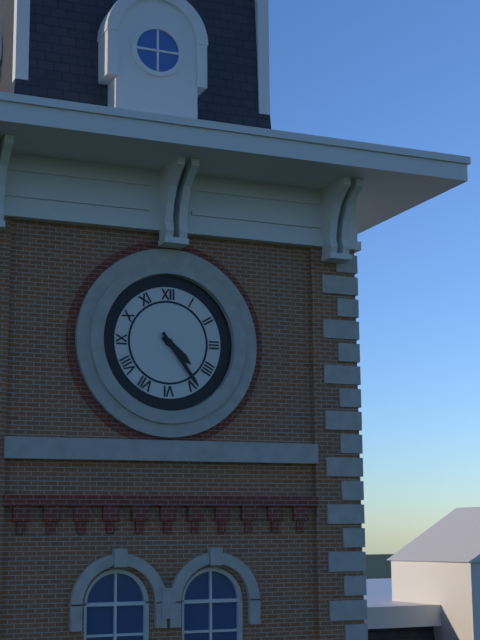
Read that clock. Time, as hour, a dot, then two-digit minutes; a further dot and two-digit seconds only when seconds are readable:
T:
4.24
